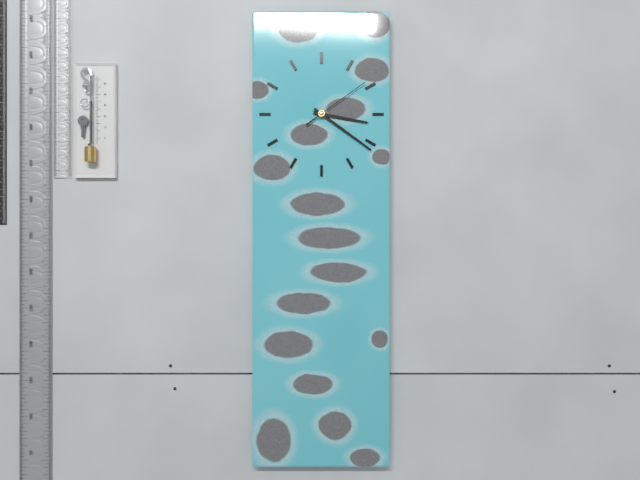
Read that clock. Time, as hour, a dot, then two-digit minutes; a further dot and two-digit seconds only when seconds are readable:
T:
3.21.09
